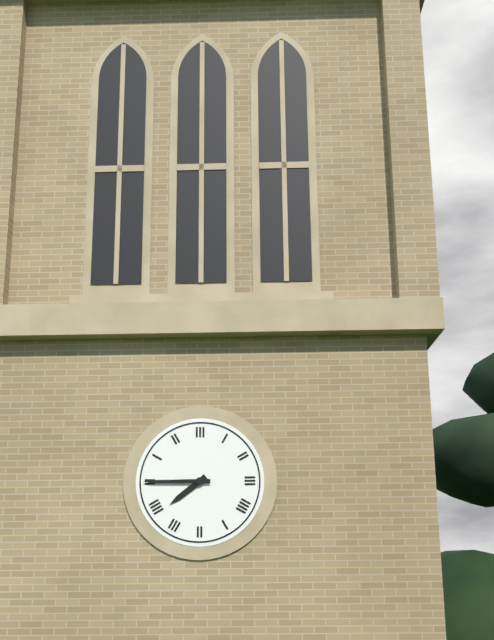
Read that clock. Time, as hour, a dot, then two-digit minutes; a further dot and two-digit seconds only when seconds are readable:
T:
7.45
